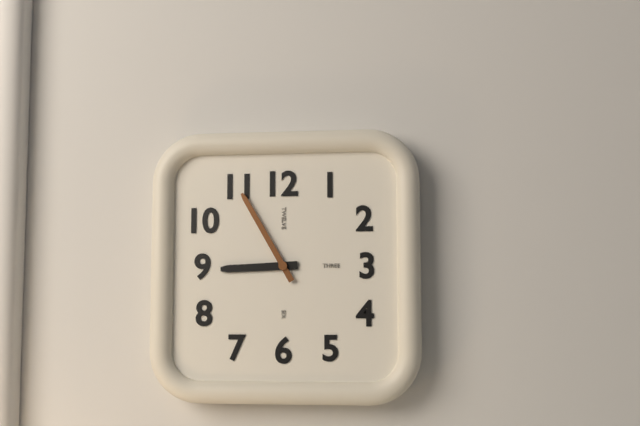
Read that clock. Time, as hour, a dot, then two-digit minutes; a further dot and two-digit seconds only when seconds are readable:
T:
8.55
